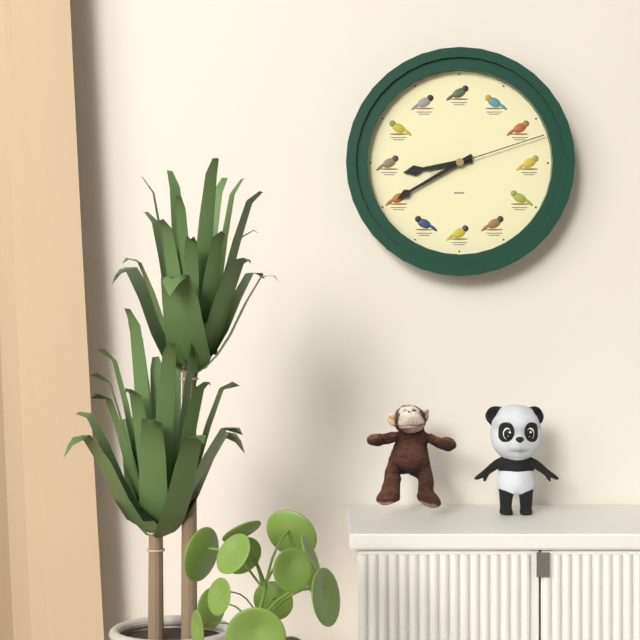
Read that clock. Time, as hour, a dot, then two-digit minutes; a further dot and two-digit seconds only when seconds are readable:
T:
8.40.12
